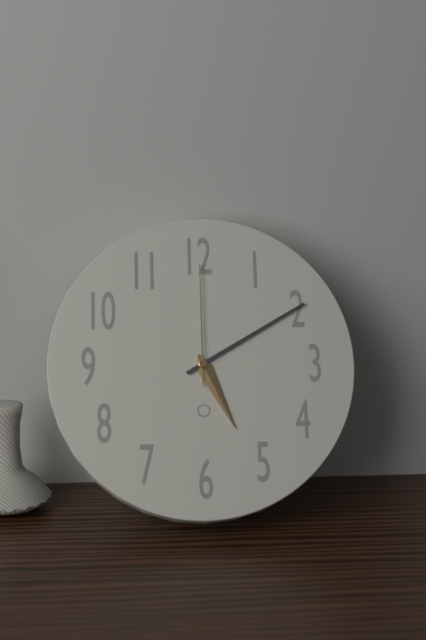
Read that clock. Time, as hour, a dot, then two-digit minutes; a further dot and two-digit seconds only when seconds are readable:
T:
5.10.00
